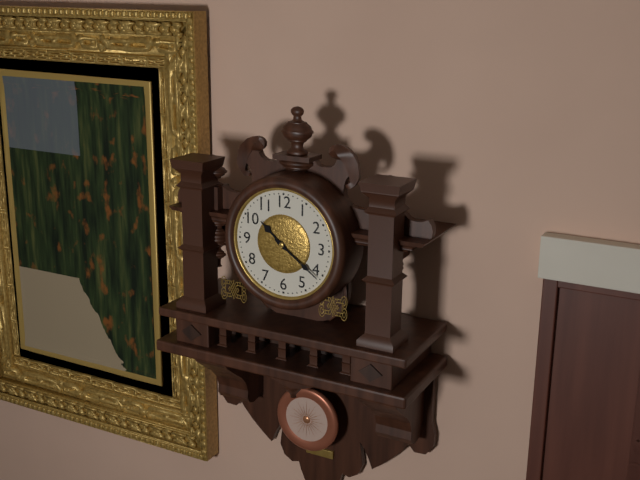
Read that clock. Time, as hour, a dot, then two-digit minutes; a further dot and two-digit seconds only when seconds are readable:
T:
10.21
